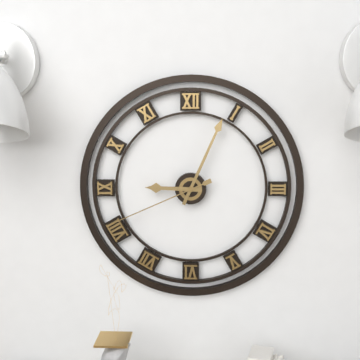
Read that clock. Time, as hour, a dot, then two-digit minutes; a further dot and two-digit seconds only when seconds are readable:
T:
9.04.41
